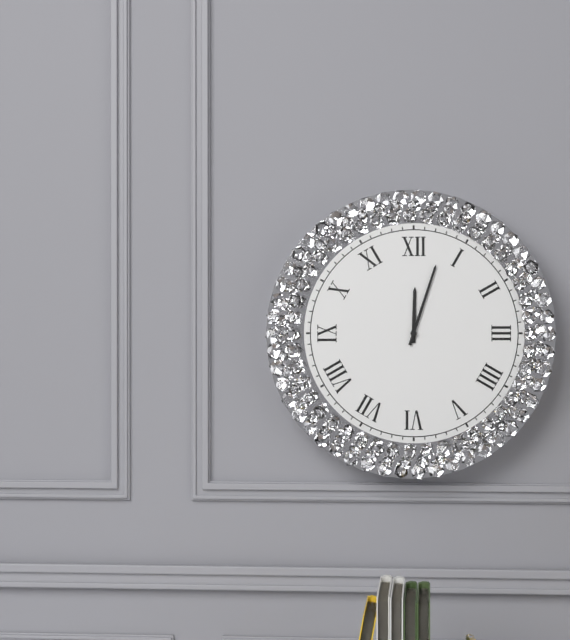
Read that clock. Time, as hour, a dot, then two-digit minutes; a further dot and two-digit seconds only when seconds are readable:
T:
12.03
